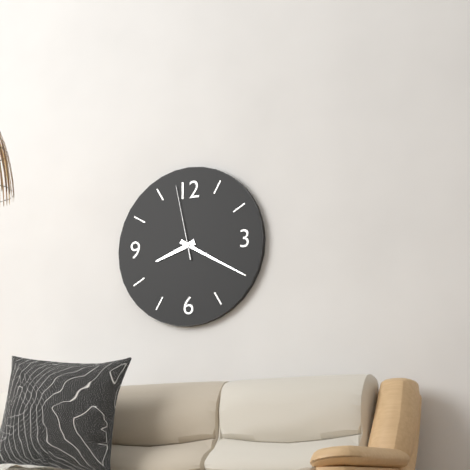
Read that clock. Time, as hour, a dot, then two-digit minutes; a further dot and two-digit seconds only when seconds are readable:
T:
8.20.58
